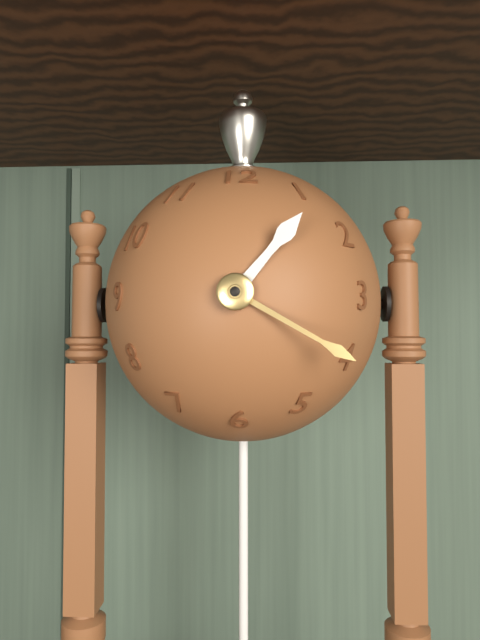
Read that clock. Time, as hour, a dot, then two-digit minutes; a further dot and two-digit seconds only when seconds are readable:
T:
1.20
